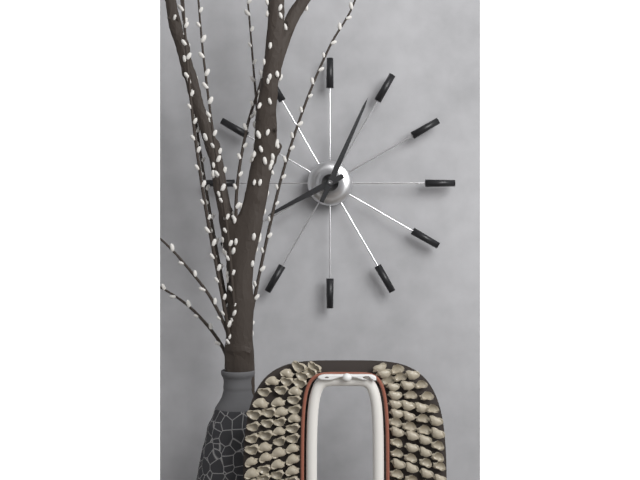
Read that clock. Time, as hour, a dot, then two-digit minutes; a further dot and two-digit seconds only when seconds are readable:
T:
8.04
